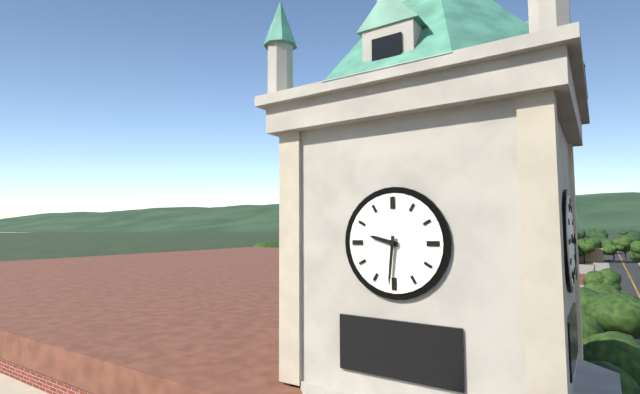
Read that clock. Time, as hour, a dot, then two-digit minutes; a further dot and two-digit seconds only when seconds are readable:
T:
9.31
